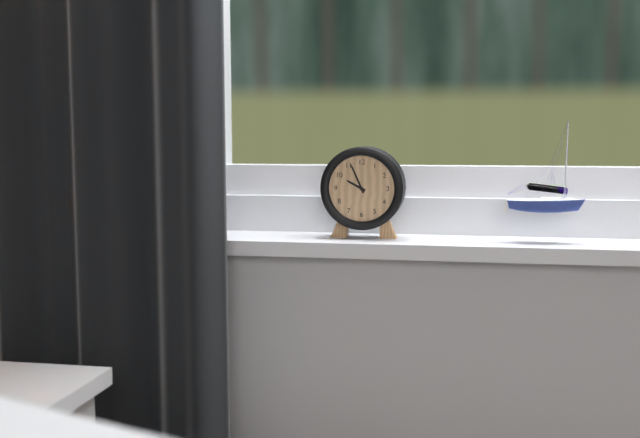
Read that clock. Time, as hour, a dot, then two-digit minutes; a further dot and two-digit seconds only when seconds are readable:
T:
9.56
